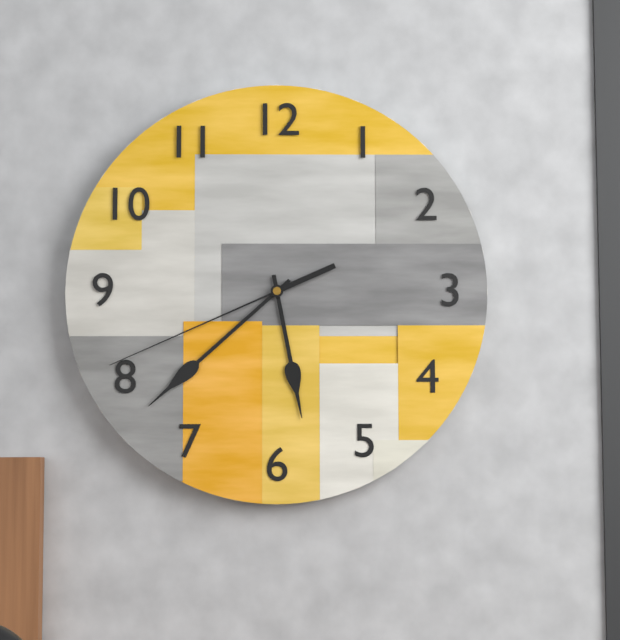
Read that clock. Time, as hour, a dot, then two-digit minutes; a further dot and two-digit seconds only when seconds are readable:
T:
5.38.41
